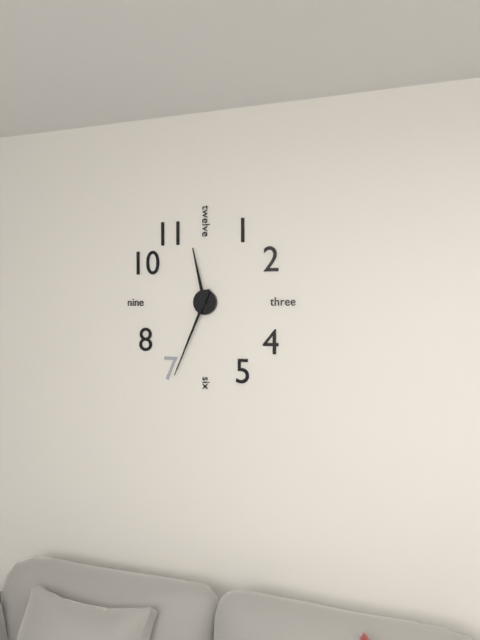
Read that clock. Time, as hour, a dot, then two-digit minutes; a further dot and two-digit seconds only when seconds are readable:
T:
11.34
